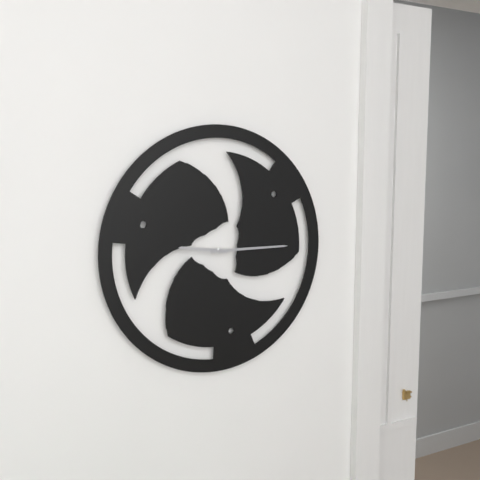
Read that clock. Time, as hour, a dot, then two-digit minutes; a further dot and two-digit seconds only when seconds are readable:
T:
9.15
